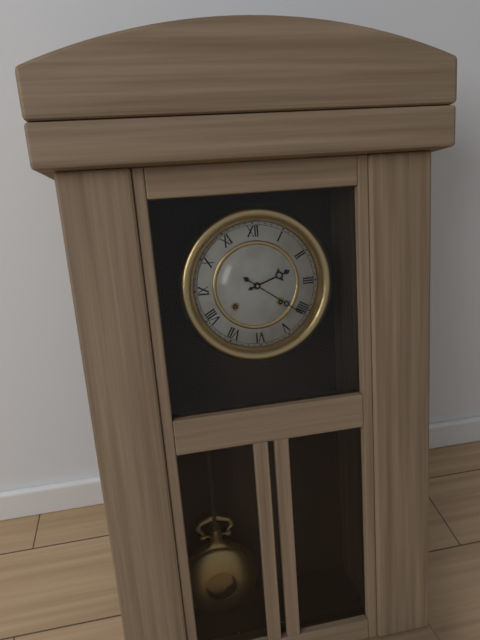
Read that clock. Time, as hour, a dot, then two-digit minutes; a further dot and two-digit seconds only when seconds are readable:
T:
2.21
